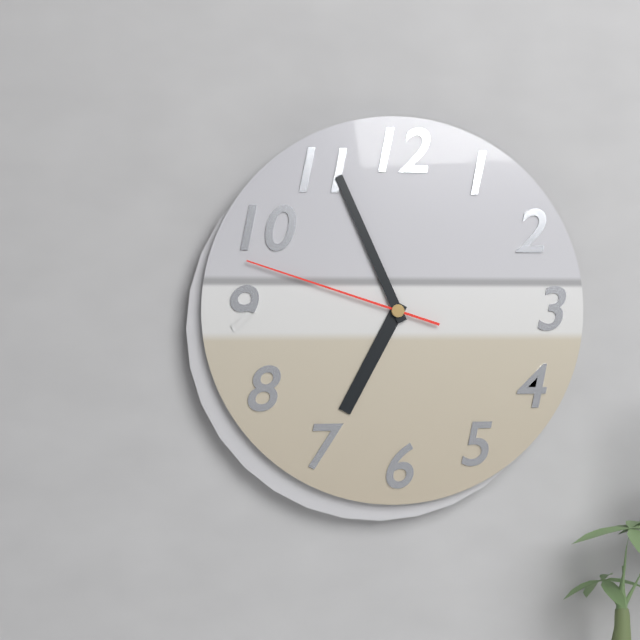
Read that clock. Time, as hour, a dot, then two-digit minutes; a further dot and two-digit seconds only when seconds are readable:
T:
6.56.48
